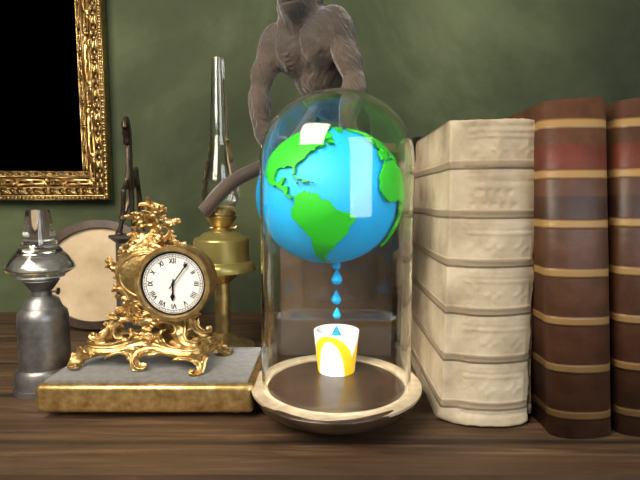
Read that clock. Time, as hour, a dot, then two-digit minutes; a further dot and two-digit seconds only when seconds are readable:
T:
6.06
